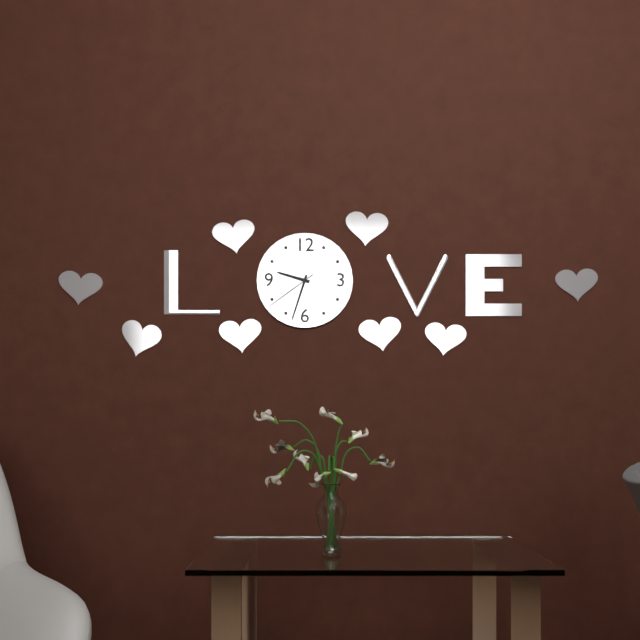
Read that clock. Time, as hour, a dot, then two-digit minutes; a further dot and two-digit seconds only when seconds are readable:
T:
9.33.39
